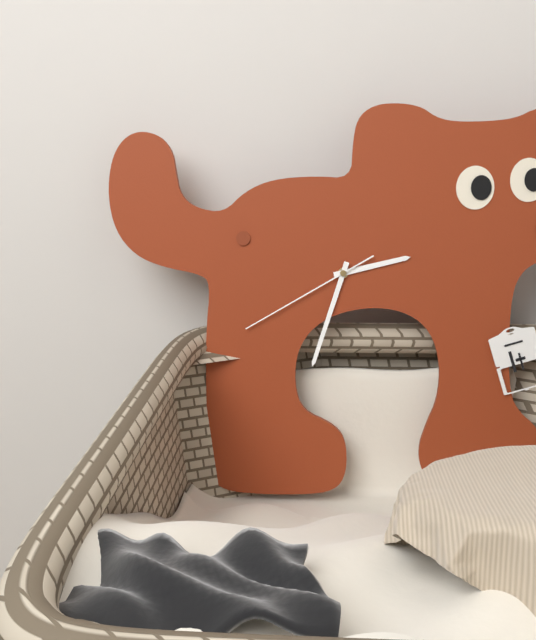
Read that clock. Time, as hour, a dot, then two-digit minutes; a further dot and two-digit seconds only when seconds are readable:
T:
2.33.40
